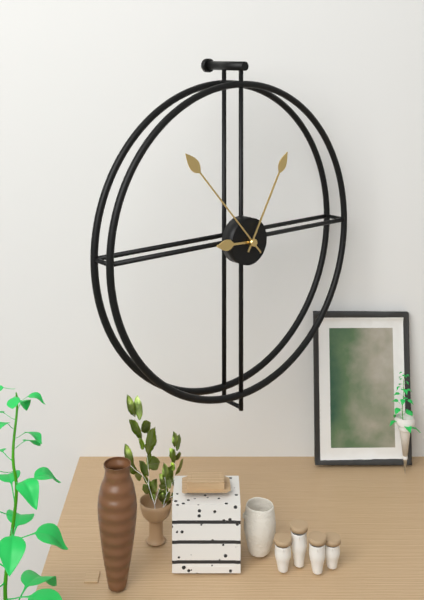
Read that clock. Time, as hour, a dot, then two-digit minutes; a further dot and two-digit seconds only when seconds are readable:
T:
9.05.53
